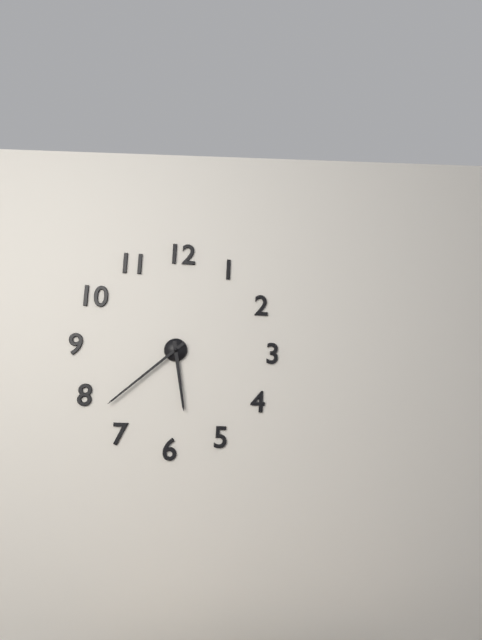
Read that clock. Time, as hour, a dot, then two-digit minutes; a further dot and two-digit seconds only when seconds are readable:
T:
5.38
